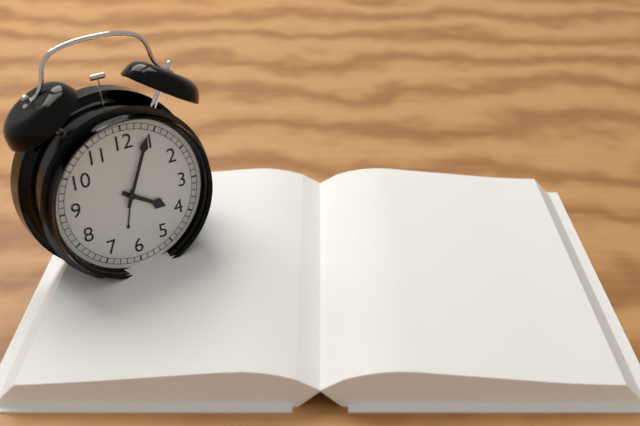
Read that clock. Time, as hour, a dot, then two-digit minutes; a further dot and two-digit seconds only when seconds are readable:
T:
4.04
